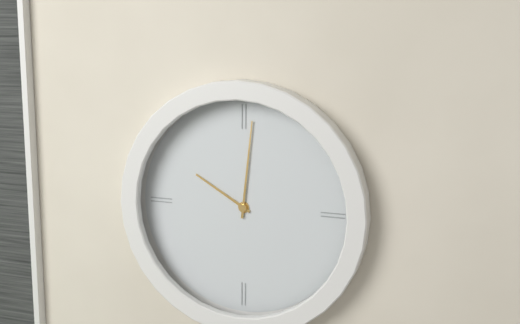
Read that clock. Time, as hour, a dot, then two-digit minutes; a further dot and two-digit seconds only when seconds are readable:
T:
10.01
